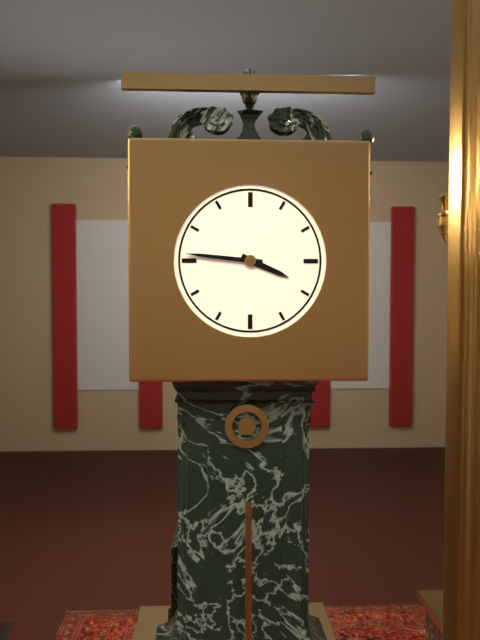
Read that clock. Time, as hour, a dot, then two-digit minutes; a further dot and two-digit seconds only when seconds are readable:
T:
3.46
